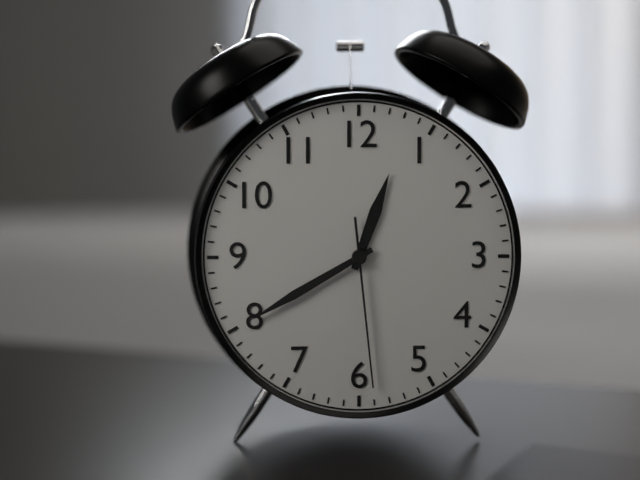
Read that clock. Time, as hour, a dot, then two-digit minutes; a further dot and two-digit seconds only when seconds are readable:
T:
12.40.29
